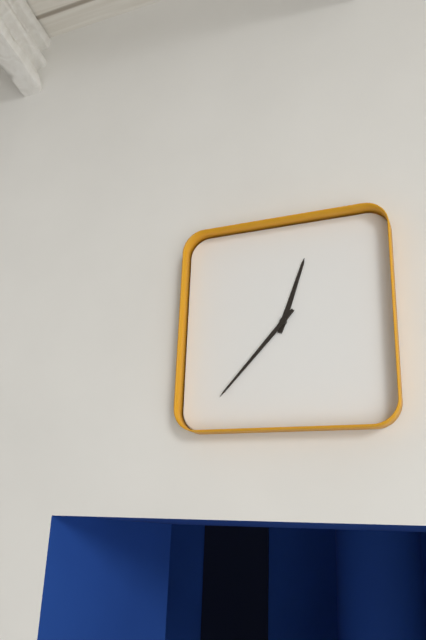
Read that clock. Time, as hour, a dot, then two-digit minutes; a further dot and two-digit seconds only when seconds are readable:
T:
12.37
